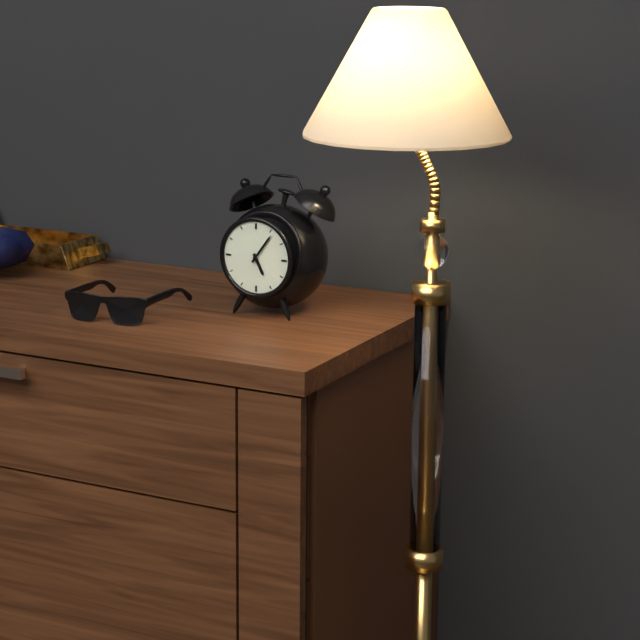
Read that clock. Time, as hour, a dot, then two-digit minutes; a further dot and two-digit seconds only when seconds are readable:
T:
5.06
